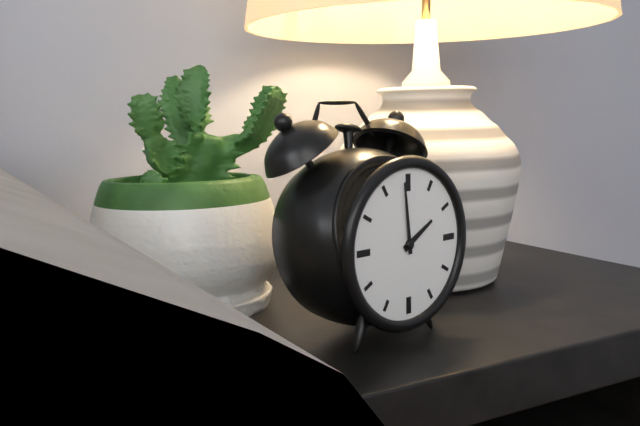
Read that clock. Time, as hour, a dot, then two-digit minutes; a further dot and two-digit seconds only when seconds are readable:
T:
1.59
